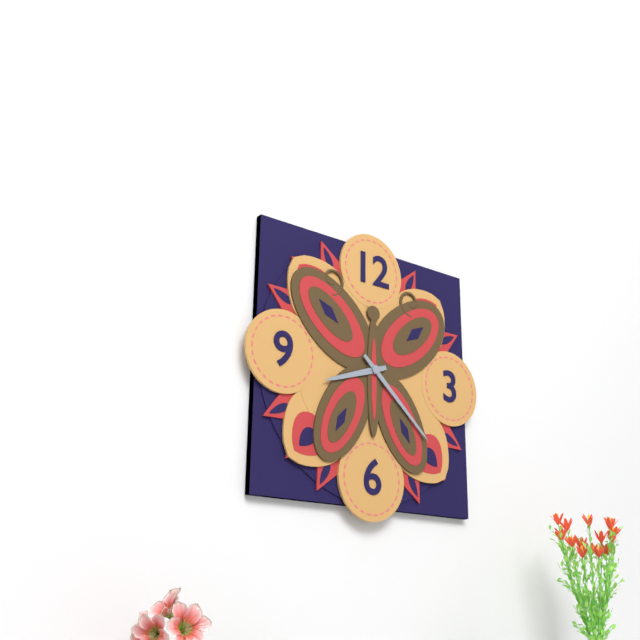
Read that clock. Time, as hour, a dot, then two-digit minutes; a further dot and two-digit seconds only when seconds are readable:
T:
8.22
